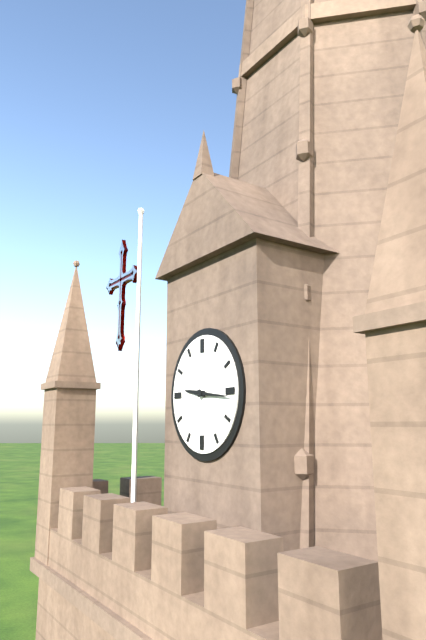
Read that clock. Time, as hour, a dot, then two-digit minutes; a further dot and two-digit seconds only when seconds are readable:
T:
9.16
